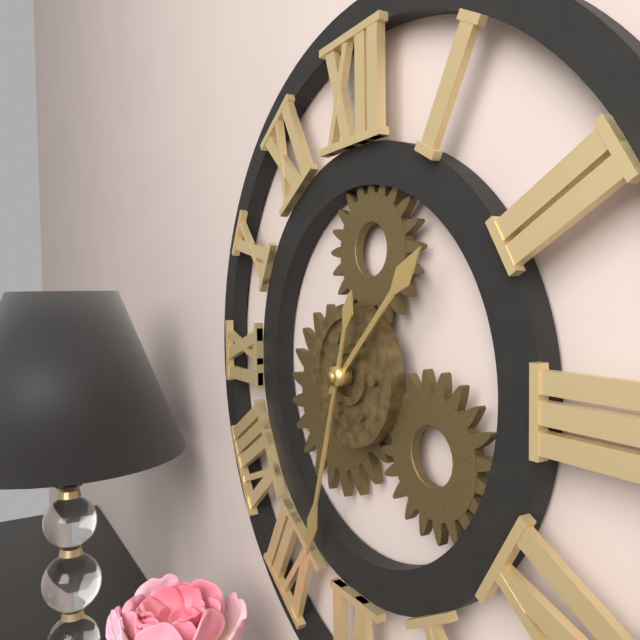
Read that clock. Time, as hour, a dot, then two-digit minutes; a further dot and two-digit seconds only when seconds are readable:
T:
1.33
